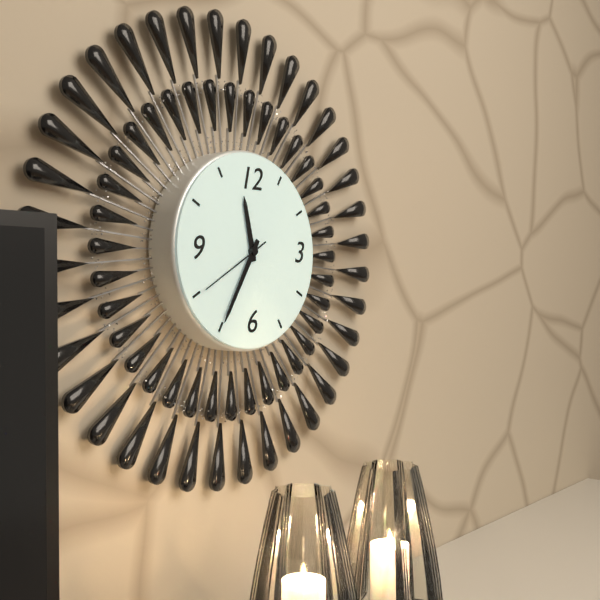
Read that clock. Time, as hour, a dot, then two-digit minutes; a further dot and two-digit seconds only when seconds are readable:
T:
11.35.40
